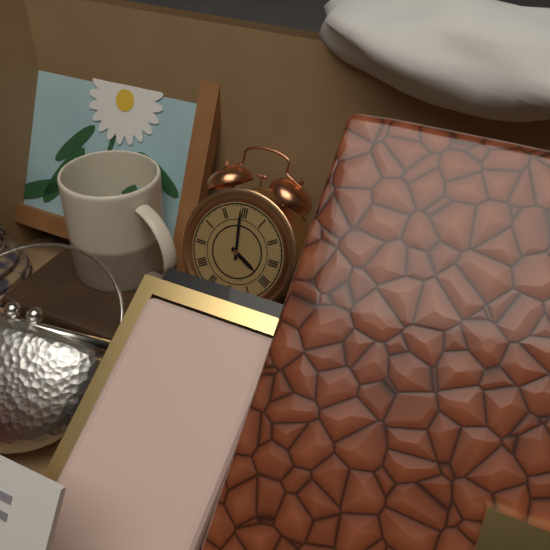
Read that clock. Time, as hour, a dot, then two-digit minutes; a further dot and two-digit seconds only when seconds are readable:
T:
3.59
